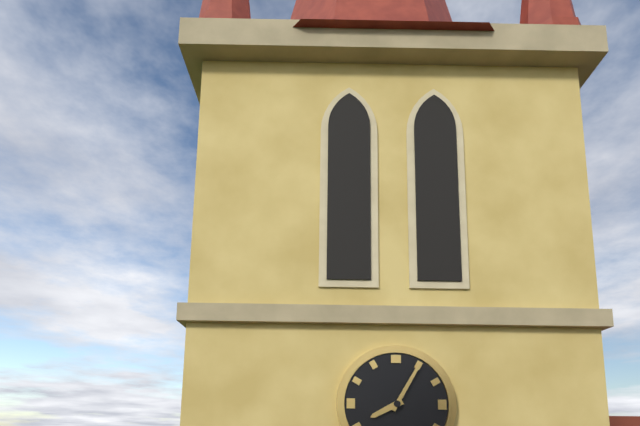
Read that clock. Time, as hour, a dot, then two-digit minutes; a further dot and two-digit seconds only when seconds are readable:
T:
8.05
